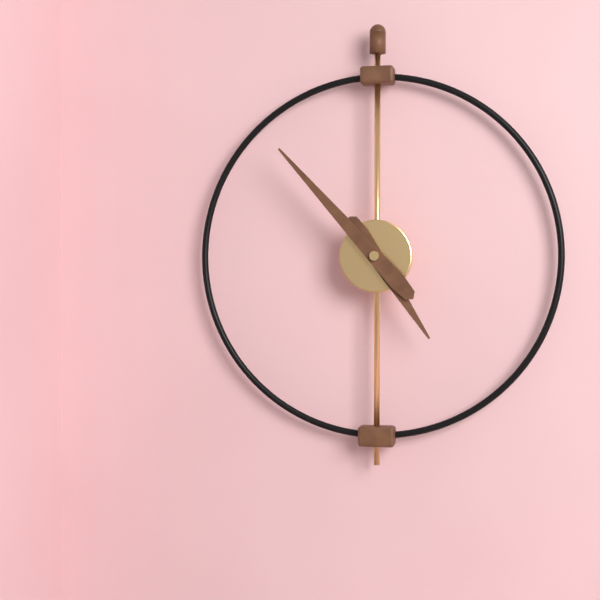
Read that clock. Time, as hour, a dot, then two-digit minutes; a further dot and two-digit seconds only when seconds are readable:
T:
4.53
